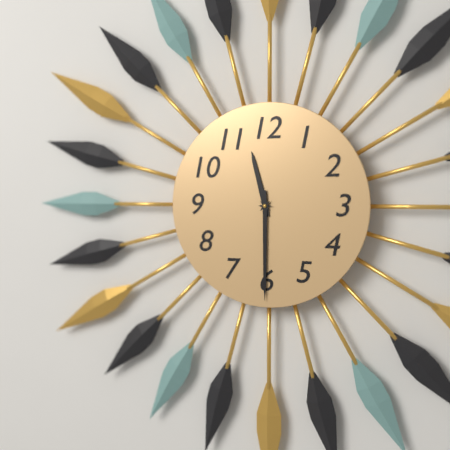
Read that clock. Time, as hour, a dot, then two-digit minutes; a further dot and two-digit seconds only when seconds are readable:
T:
11.30
